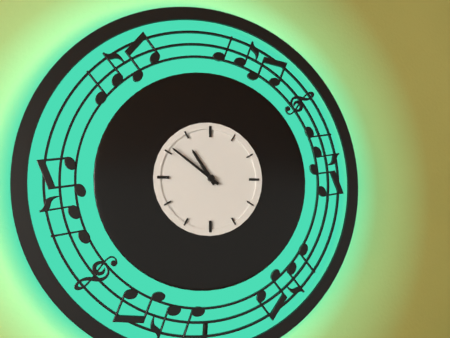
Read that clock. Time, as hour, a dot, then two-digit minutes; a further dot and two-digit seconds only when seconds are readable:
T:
10.51
